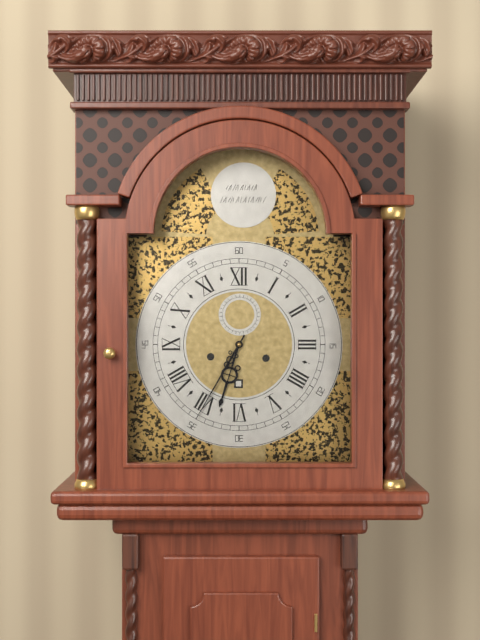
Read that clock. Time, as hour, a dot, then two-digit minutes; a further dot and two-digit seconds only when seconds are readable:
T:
6.35
